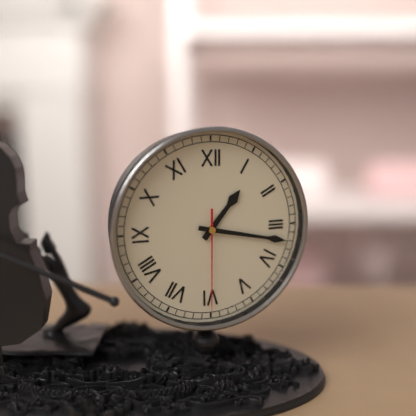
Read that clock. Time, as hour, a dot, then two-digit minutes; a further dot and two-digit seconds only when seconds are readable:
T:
1.17.30
